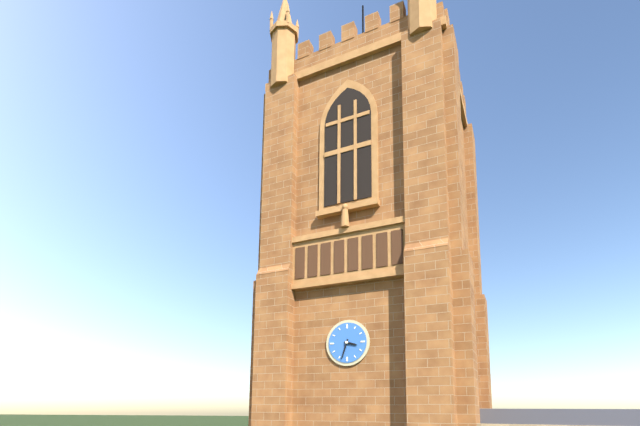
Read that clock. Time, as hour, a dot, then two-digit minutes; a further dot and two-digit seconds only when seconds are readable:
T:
3.33
